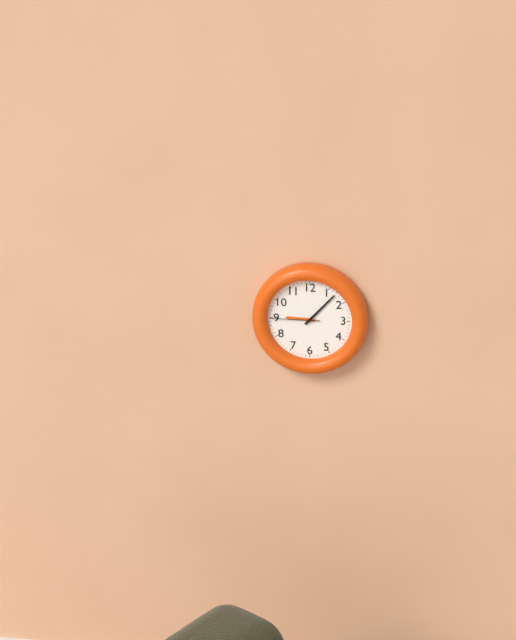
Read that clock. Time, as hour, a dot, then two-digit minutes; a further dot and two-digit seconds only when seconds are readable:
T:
9.07.45
